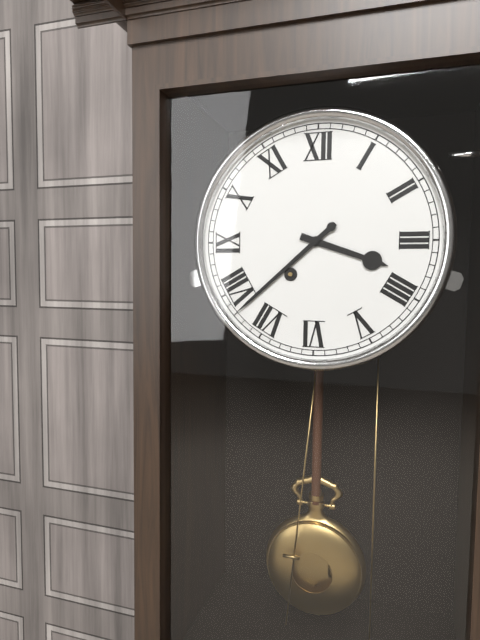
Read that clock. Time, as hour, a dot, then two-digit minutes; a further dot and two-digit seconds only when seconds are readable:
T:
3.38
